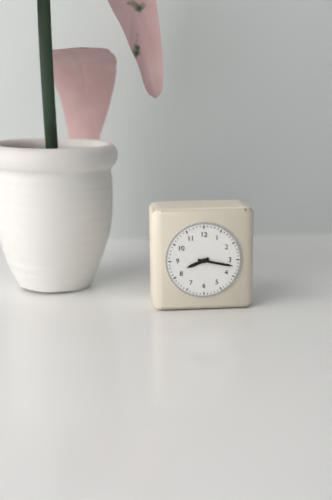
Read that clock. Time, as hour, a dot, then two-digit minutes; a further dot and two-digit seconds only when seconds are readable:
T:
8.17
